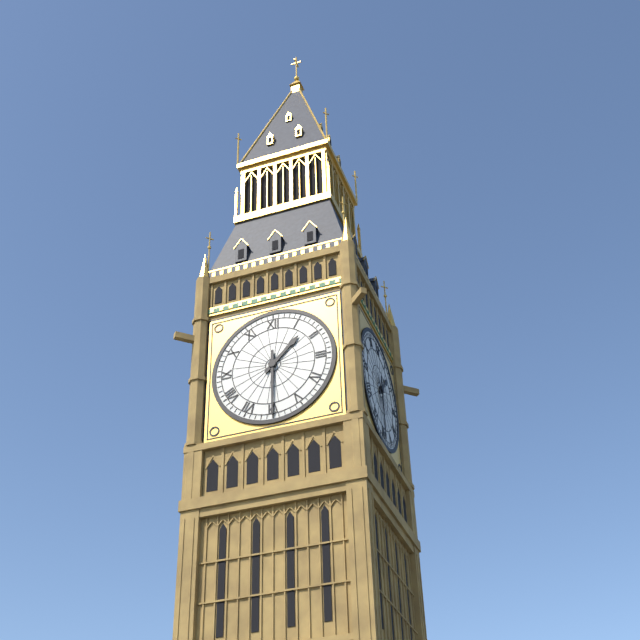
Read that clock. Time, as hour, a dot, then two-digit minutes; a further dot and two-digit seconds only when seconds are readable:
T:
1.30
